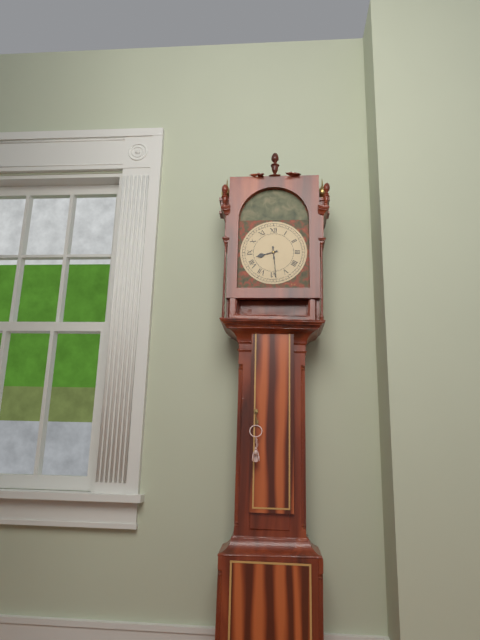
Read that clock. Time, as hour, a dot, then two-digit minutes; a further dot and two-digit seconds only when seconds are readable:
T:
8.29
